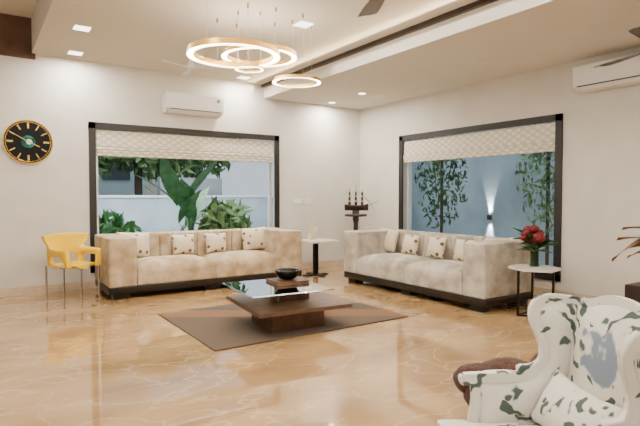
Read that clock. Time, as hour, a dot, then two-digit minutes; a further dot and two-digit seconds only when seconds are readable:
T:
3.50
